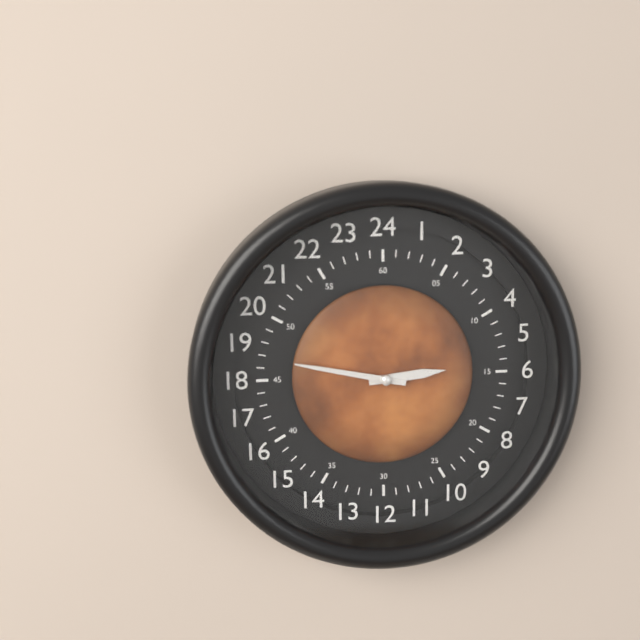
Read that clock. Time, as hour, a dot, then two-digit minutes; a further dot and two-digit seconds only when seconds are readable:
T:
2.47
